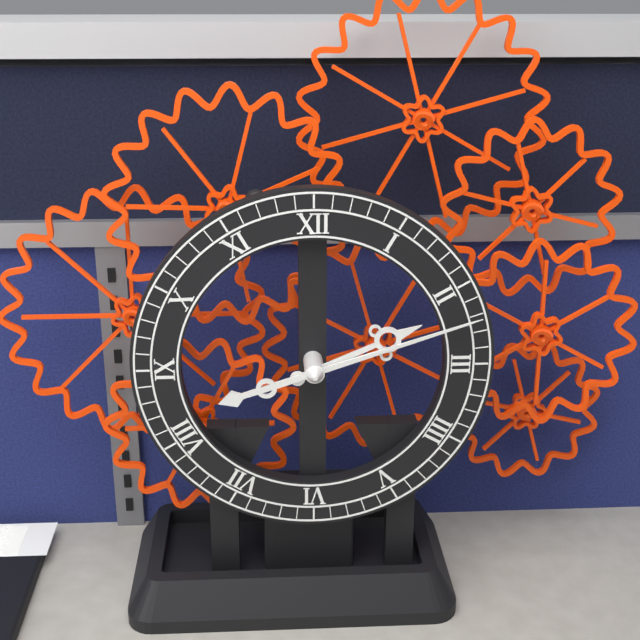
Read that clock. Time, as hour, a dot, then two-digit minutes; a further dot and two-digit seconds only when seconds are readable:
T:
2.12
